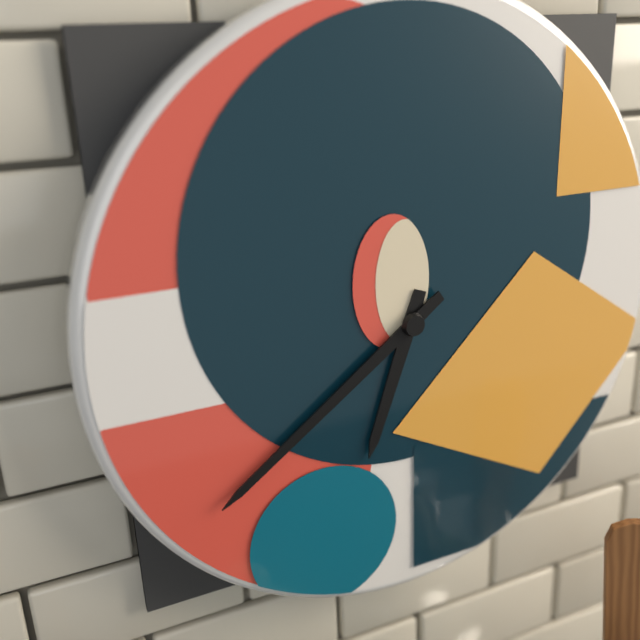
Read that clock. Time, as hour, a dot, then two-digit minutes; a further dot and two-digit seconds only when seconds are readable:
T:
6.39
